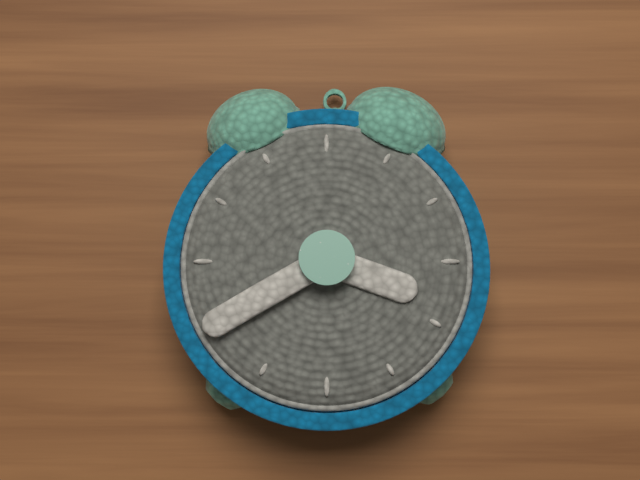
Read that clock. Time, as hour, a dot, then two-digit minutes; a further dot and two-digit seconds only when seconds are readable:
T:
3.40
